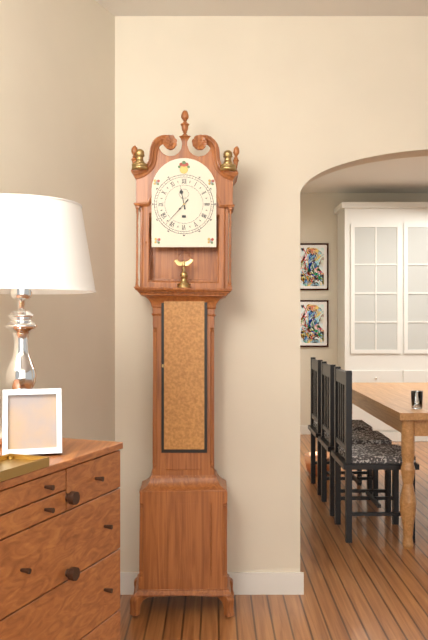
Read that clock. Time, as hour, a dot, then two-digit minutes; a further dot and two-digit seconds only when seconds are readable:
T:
11.37
